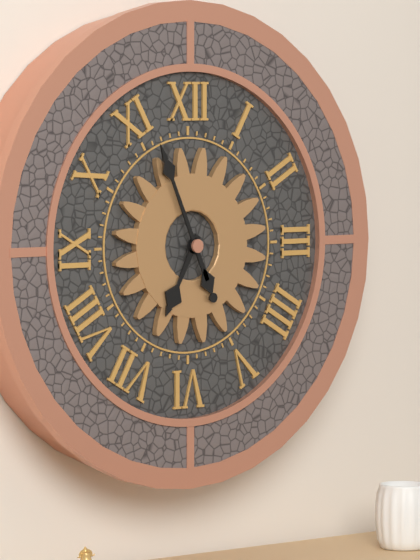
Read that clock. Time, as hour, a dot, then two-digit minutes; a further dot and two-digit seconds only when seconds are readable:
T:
6.56
